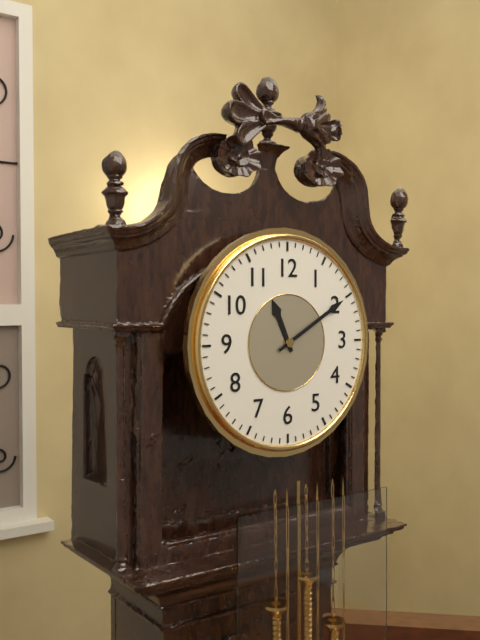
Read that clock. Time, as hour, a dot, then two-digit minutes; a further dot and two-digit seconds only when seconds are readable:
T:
11.10
